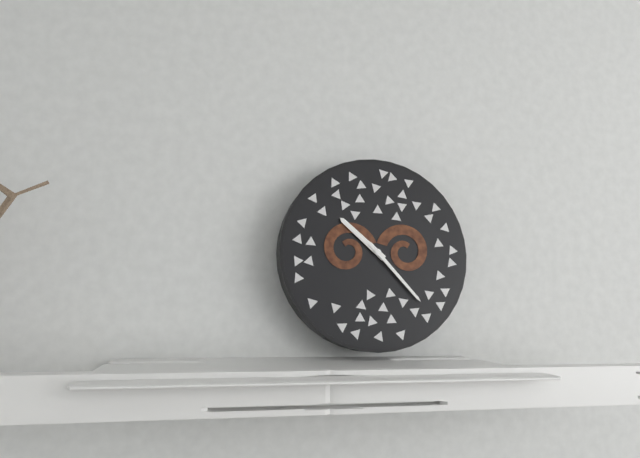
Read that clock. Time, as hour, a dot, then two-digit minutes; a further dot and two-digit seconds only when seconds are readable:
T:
10.23
